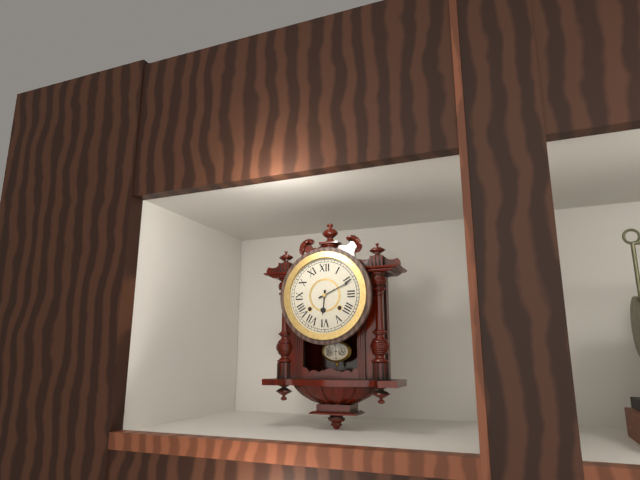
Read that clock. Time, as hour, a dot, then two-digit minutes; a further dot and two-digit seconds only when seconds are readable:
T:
6.11
